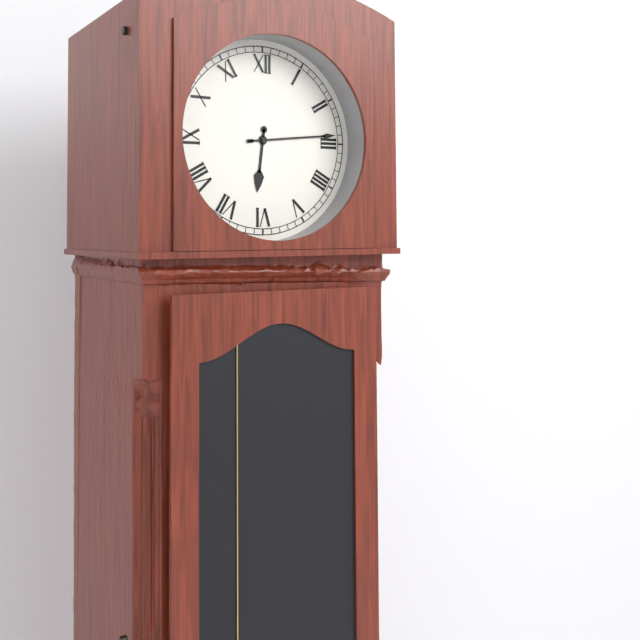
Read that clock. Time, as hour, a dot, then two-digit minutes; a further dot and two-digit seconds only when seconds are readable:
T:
6.14
